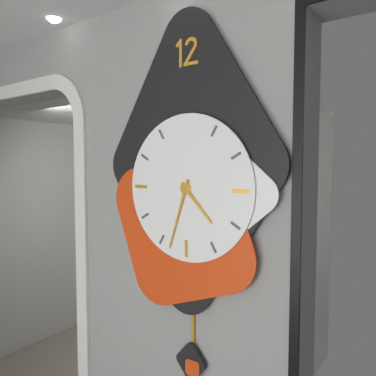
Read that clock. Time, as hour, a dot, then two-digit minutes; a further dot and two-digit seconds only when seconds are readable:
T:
4.33
